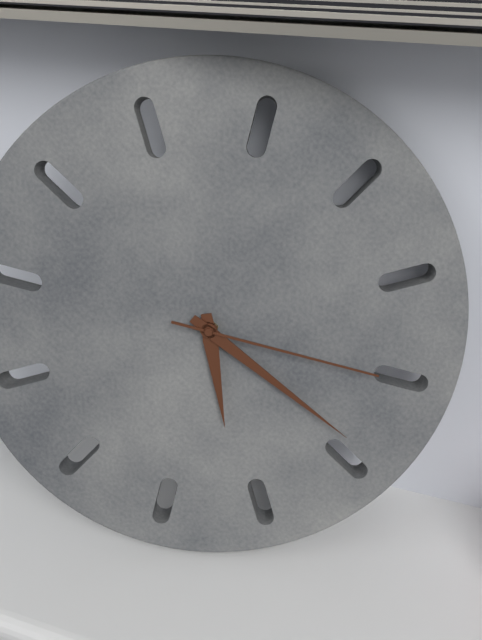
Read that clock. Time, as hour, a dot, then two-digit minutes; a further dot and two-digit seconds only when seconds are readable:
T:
4.14.10
